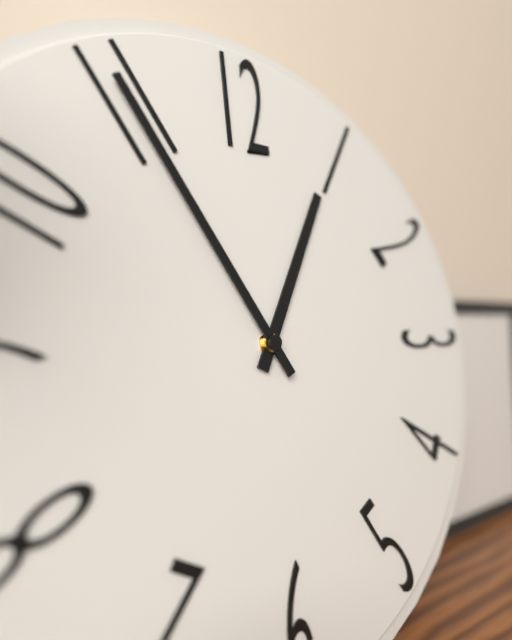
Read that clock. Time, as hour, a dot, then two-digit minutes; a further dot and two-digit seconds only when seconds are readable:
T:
12.55
